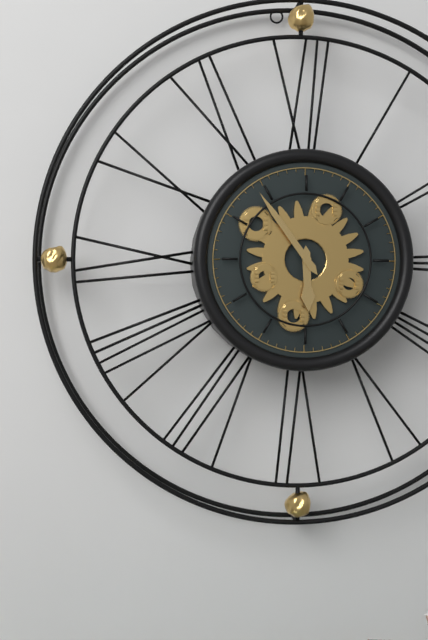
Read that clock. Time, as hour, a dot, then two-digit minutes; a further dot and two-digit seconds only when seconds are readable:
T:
5.54
